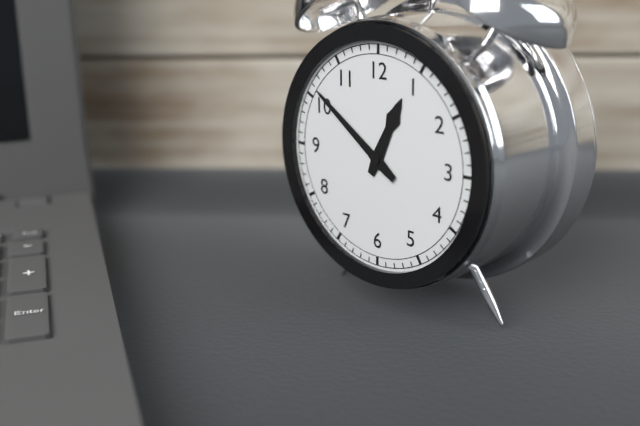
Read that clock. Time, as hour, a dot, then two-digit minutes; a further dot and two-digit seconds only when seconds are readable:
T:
12.51
